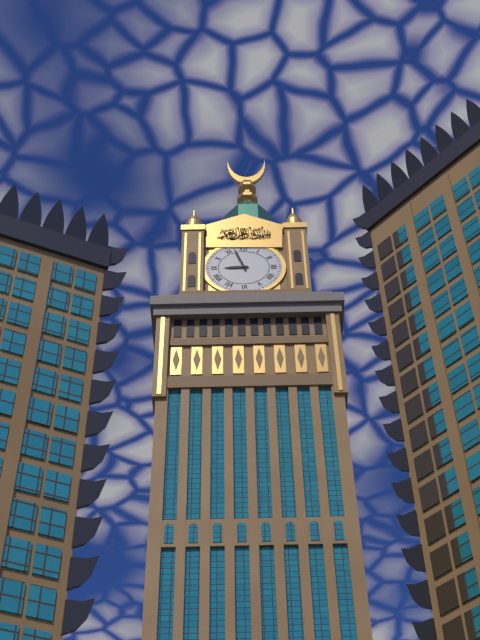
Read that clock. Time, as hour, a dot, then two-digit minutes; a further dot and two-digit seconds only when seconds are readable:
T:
8.57
